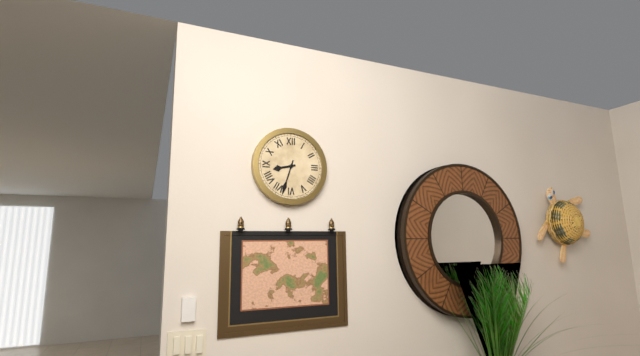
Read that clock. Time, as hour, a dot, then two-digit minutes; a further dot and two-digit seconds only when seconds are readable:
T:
8.33
